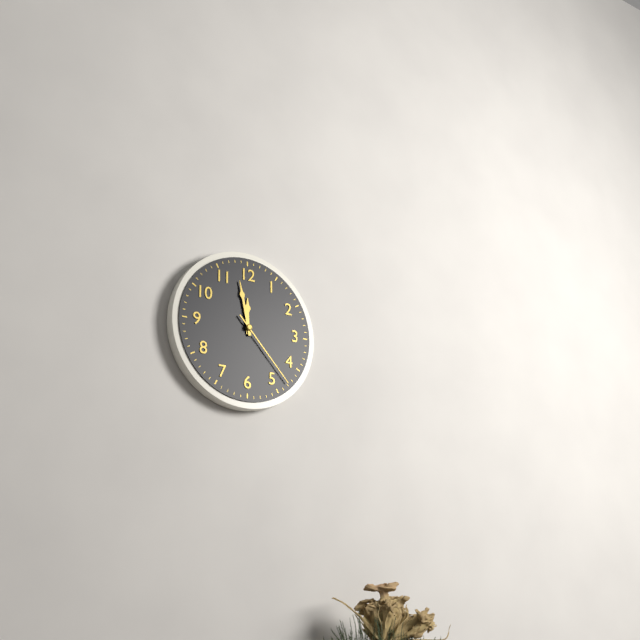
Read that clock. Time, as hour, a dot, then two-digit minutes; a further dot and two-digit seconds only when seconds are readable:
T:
11.58.23
